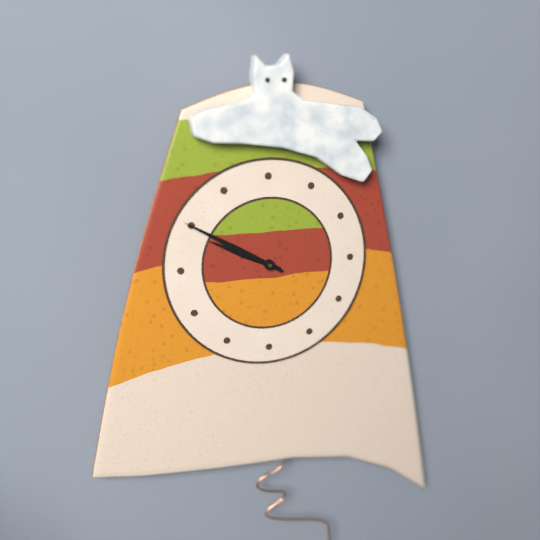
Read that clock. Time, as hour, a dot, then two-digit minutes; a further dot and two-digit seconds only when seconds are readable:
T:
9.50
